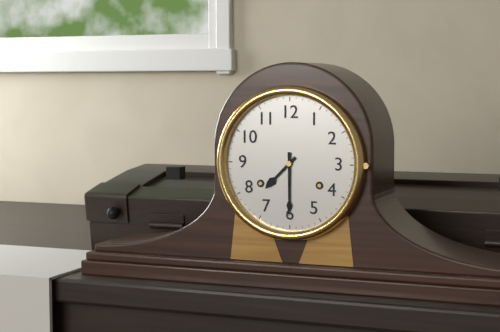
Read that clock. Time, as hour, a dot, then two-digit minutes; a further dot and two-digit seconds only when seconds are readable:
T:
7.30
